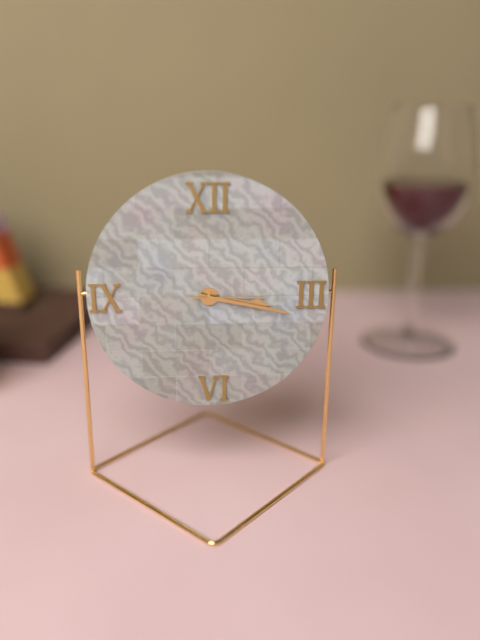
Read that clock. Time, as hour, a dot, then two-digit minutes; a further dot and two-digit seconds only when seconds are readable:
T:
3.17.15
